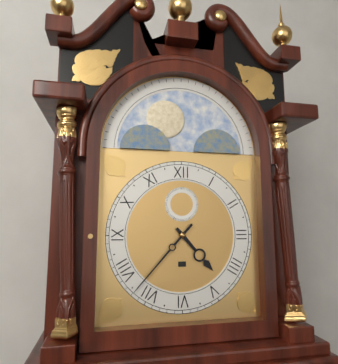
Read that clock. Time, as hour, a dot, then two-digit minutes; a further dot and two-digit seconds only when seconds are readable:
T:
4.37
